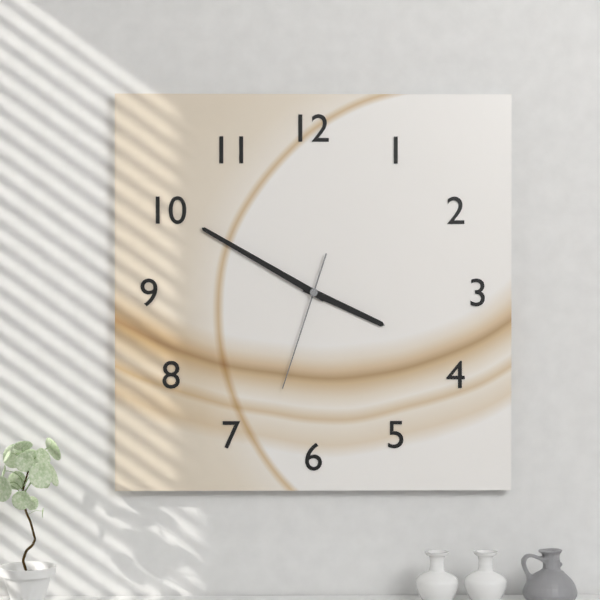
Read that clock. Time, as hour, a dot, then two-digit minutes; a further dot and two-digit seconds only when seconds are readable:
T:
3.50.33
